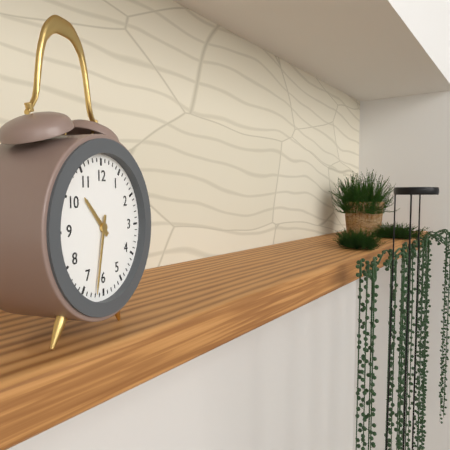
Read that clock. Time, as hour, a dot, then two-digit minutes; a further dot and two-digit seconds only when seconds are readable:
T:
10.32
